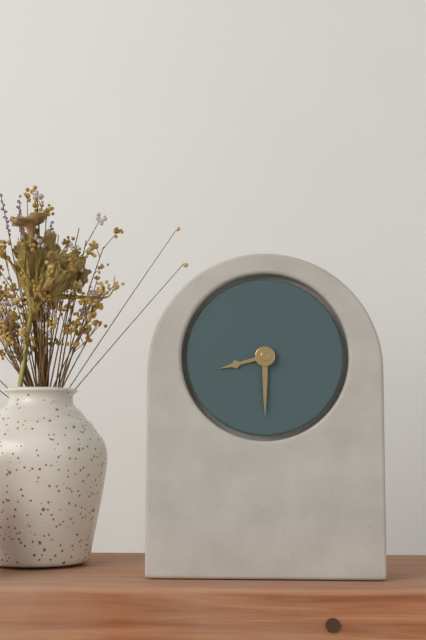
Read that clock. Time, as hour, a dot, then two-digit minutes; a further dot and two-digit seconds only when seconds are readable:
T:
8.30
